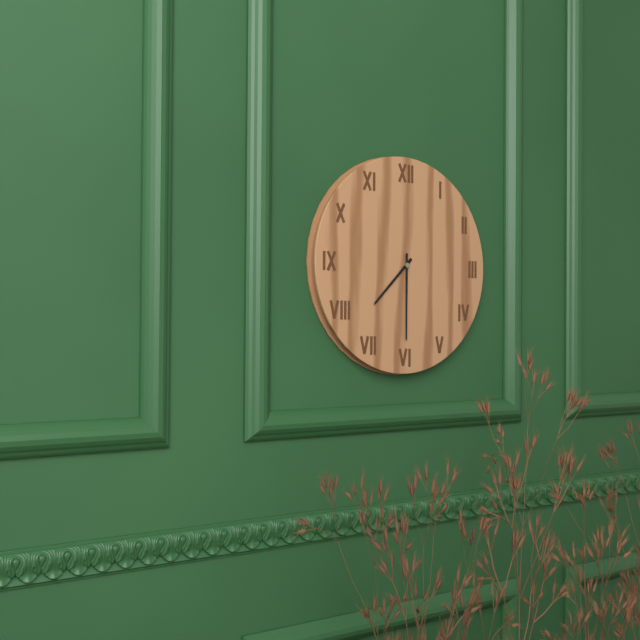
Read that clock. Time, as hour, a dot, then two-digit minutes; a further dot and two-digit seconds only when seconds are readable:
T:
7.30
